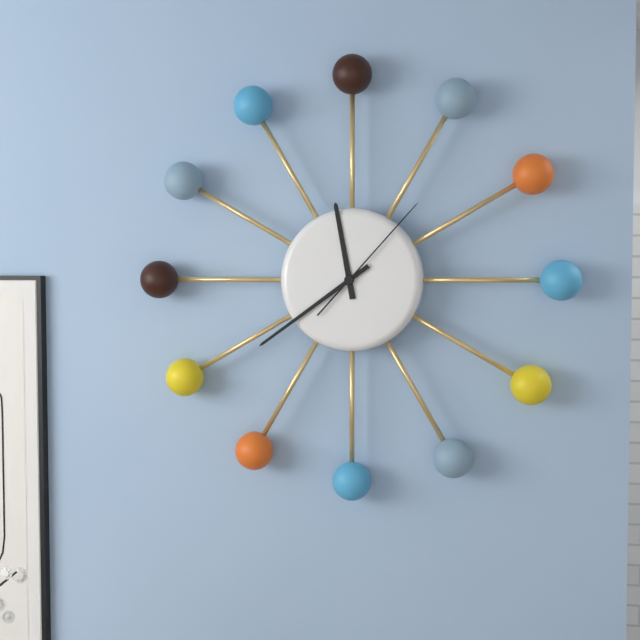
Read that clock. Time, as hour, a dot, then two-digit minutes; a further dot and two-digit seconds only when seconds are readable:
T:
11.39.07
